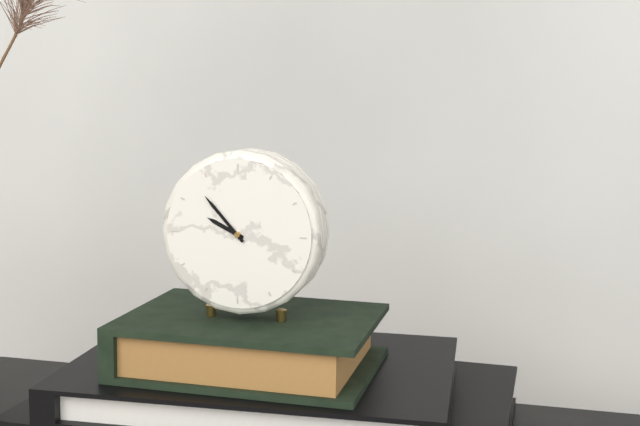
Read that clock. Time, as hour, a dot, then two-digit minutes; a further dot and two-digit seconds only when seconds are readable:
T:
9.53
